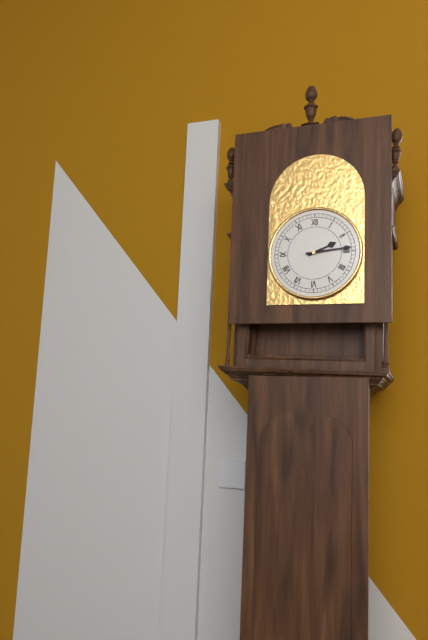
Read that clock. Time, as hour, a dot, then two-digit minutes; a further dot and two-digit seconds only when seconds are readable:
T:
2.14
